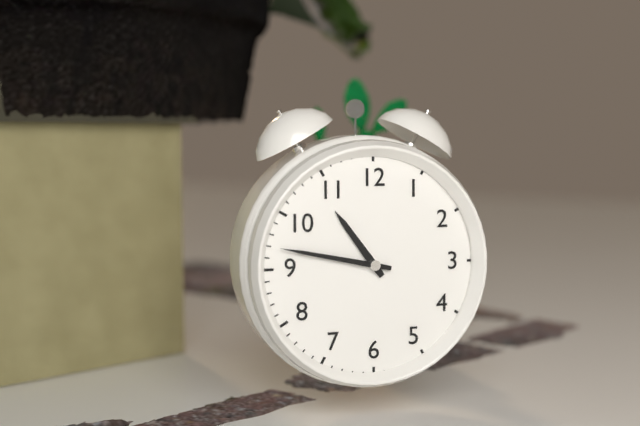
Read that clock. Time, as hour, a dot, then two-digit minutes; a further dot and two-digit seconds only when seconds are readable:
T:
10.47
